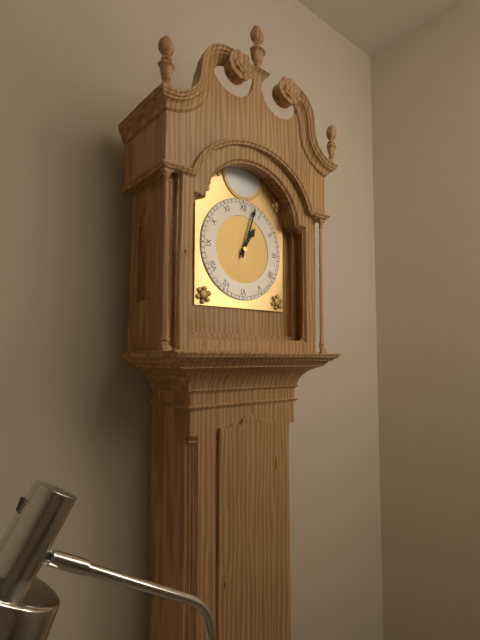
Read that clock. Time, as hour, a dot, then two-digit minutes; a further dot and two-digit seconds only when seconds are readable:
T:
1.03
